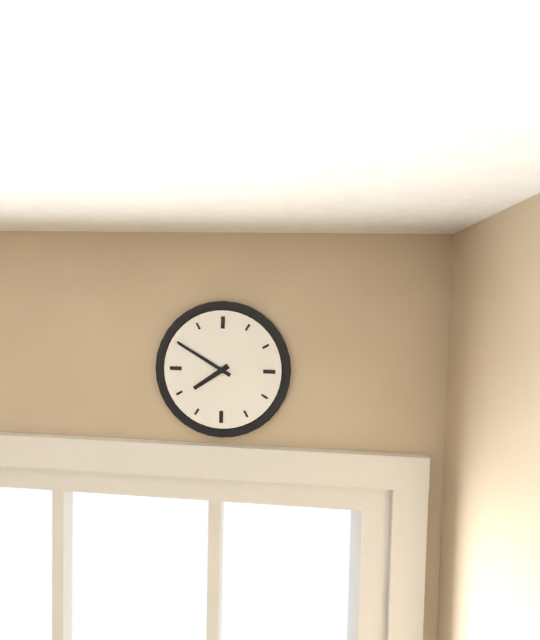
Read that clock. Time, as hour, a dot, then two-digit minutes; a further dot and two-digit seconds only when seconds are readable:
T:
7.50
